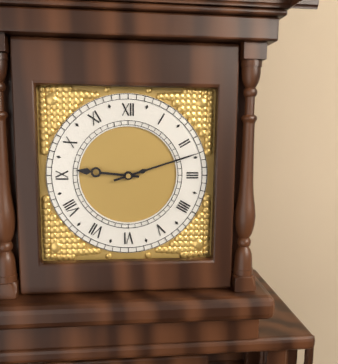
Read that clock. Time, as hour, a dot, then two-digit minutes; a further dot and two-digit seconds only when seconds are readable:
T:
9.12
